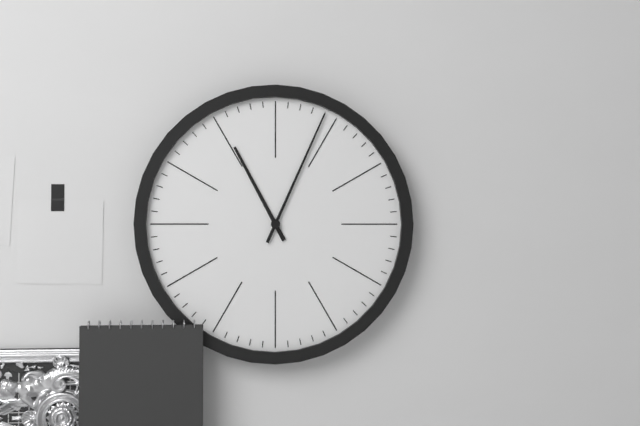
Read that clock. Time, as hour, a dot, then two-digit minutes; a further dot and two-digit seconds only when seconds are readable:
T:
11.04
